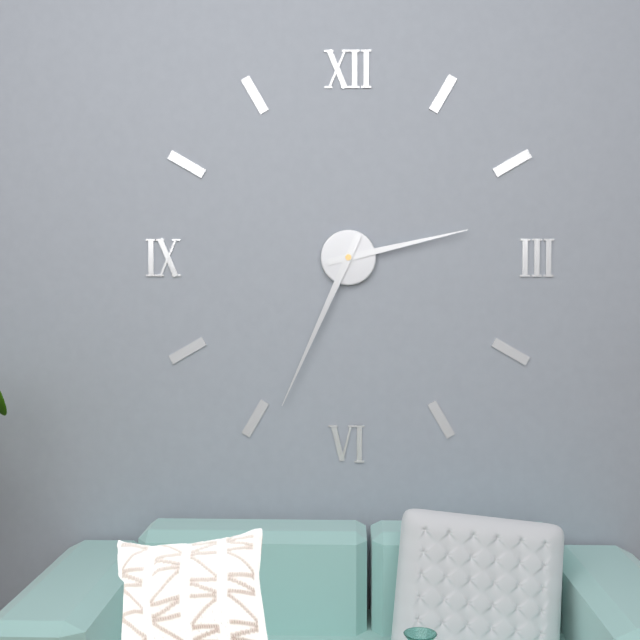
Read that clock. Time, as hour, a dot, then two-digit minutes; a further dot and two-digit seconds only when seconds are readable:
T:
2.34
